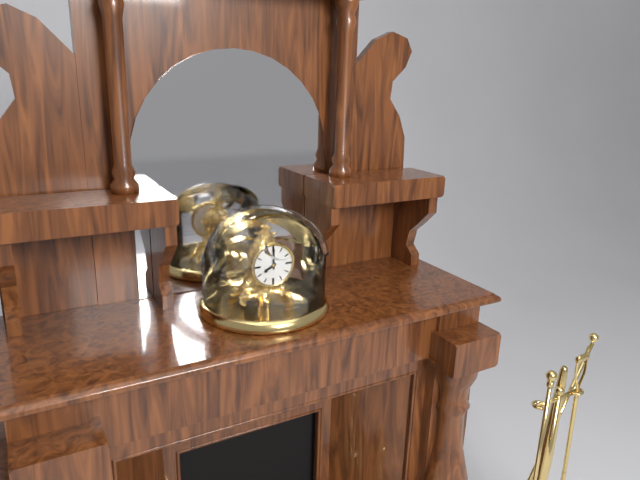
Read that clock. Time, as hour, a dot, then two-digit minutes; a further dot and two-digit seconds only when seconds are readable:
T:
8.00
